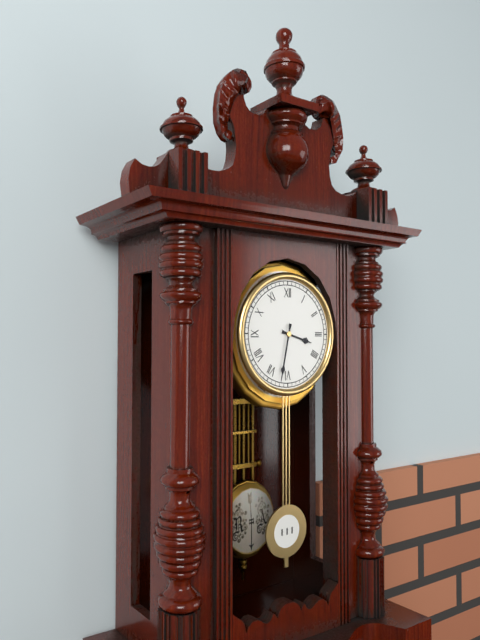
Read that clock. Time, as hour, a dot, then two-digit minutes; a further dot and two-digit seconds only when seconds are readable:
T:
3.32
